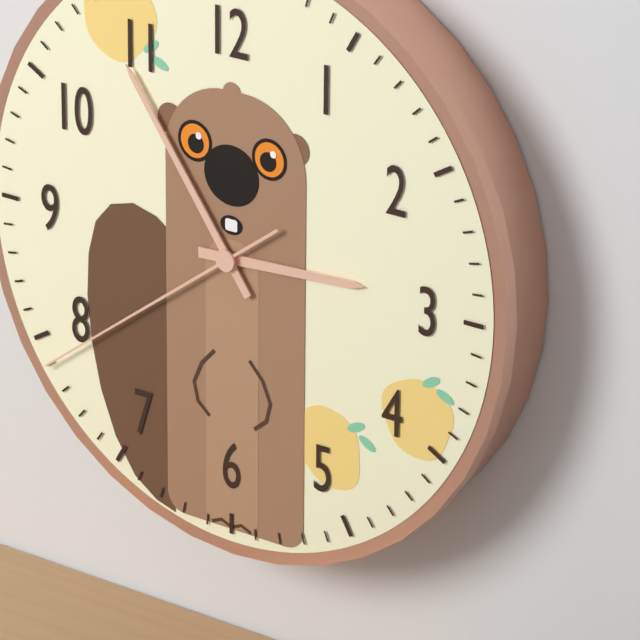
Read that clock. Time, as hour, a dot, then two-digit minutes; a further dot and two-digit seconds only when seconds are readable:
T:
2.54.39
